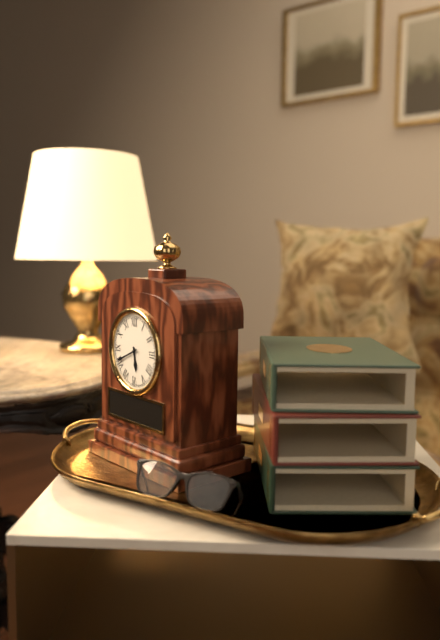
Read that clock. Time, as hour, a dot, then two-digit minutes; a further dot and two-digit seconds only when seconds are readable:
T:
5.41
